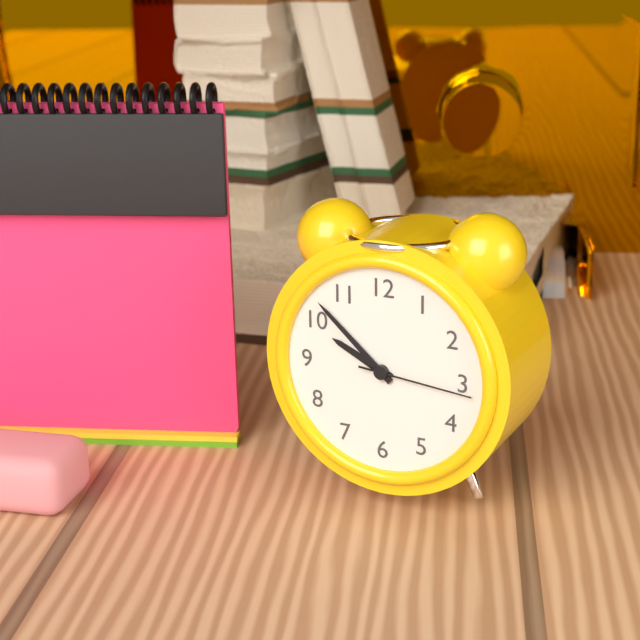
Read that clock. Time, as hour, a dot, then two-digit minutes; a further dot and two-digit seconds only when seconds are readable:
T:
9.52.16
